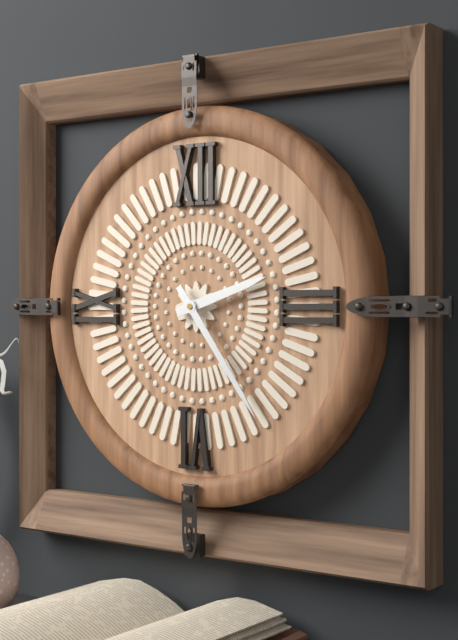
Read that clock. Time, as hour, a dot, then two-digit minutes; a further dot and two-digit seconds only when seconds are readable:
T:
2.24
